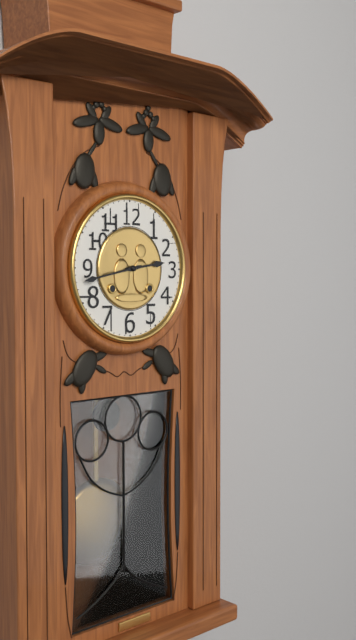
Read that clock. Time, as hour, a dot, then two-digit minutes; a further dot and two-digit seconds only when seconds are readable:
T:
2.43
